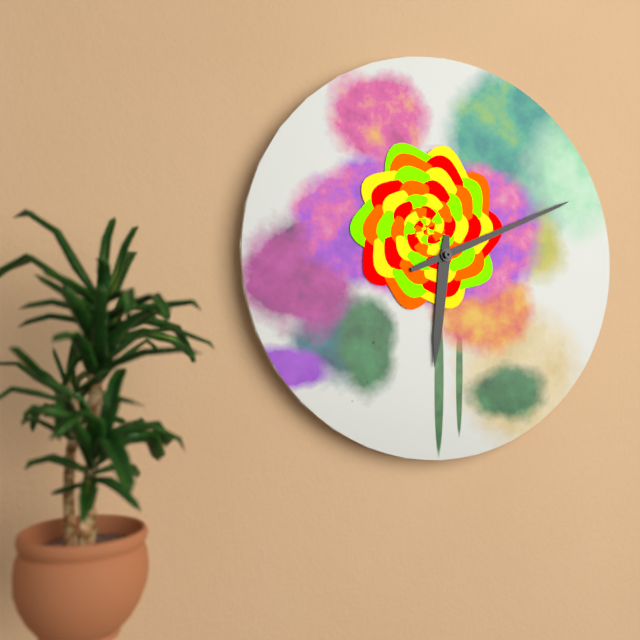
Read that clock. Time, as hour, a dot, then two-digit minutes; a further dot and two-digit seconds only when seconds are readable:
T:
6.11
